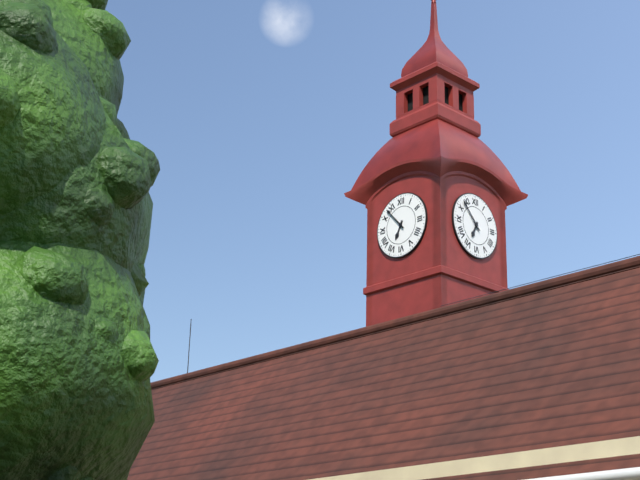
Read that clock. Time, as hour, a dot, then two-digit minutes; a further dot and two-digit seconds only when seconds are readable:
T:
6.53
